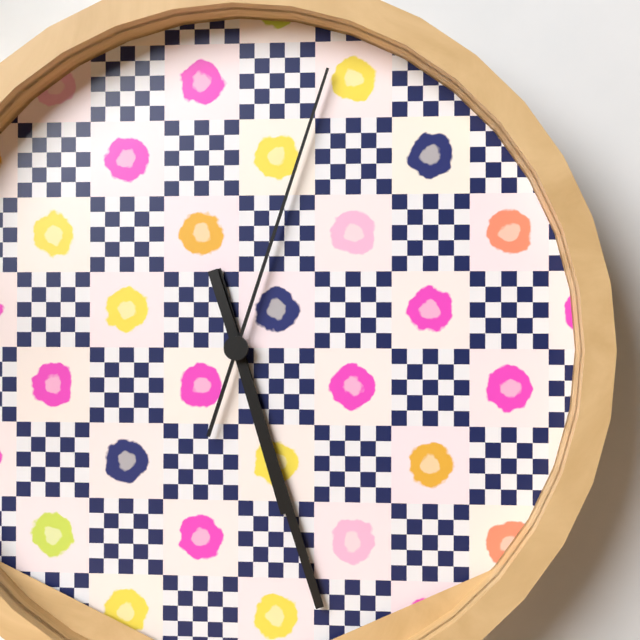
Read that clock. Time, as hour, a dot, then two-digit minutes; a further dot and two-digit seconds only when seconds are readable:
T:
5.27.03
